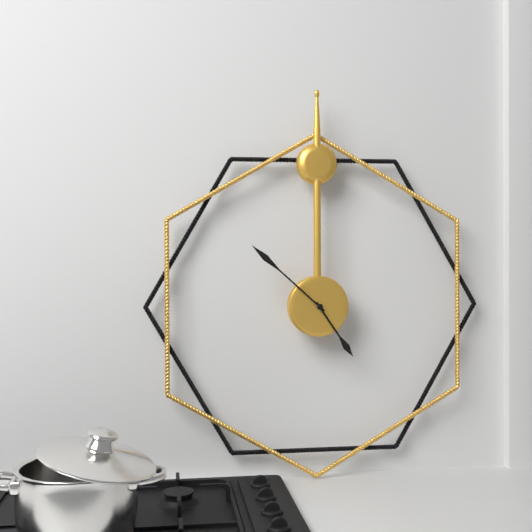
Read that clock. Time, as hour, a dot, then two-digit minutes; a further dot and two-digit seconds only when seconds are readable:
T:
4.52
